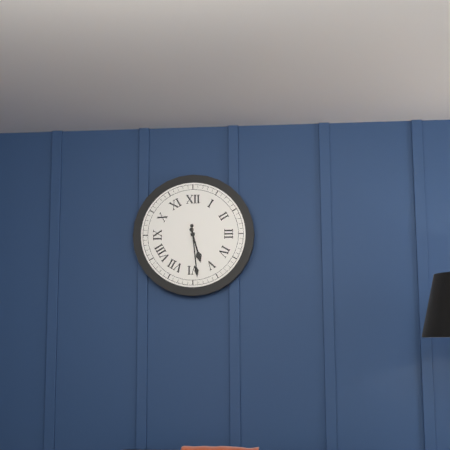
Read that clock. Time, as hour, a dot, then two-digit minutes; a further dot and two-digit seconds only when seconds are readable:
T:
5.29
